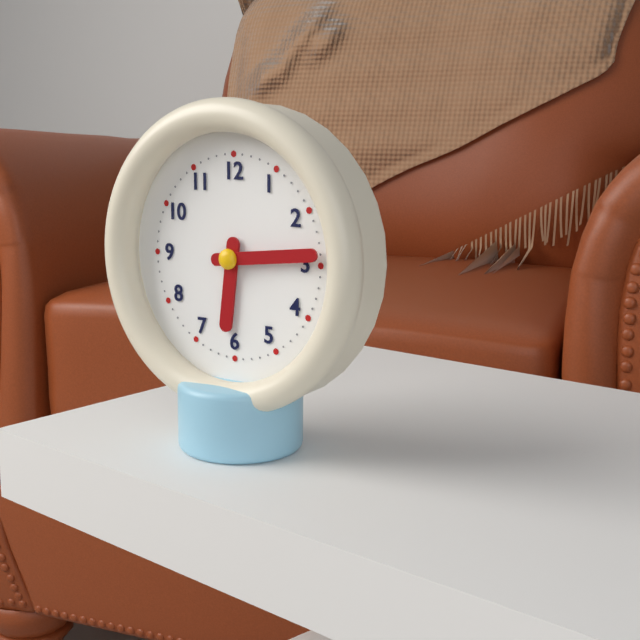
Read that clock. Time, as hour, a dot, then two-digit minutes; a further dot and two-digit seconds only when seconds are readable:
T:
6.14
